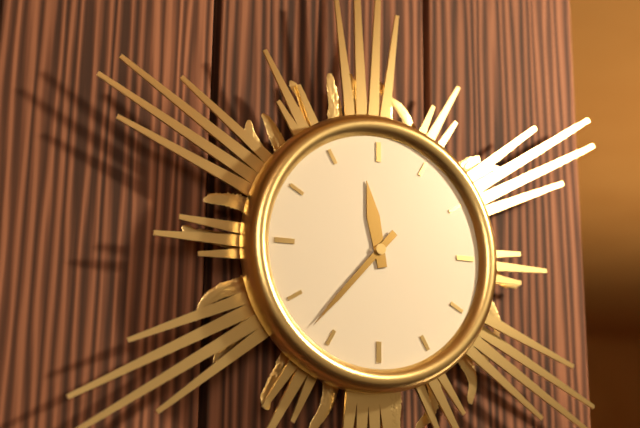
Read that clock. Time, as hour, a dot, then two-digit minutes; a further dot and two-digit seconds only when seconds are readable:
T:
11.37
